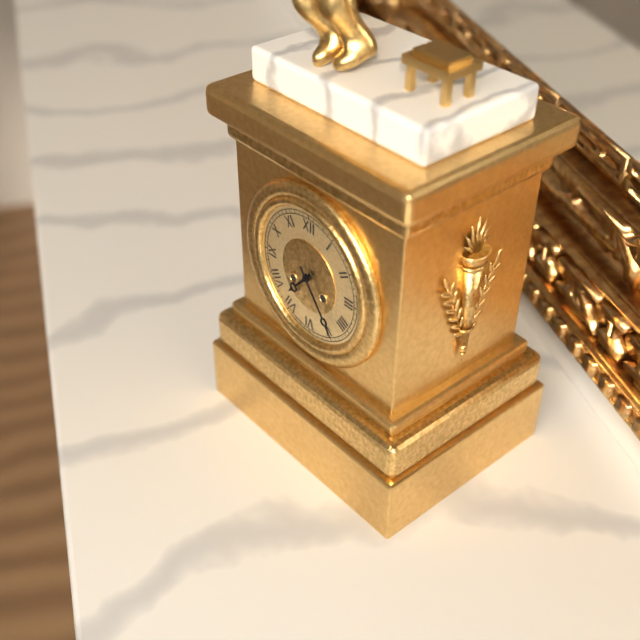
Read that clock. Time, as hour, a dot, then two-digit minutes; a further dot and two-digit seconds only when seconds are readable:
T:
7.24
